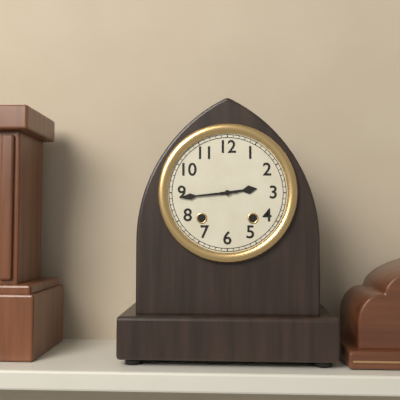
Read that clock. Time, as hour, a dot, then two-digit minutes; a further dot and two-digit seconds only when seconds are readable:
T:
2.44
